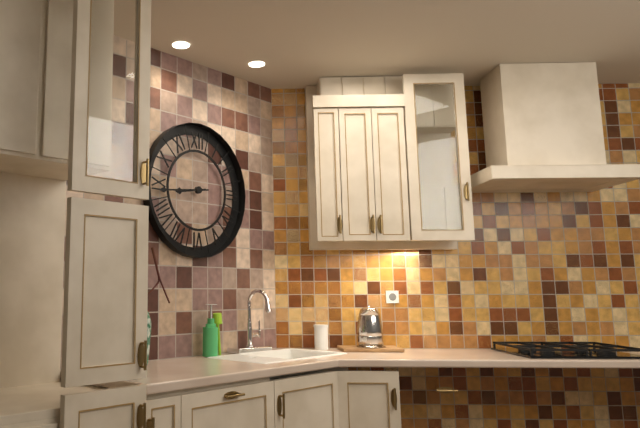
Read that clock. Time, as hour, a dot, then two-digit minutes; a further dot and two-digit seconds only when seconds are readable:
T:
8.44
